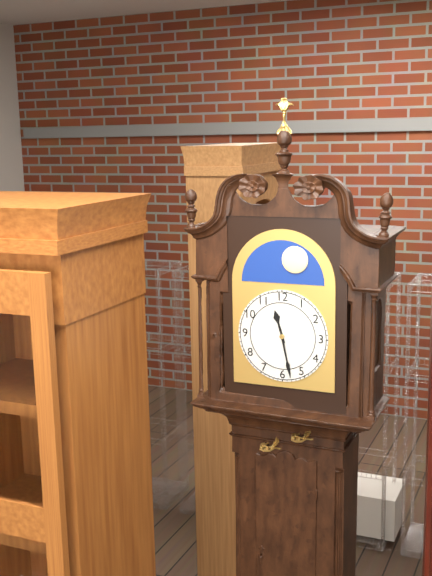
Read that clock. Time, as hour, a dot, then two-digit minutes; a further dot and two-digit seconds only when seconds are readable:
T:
11.28
